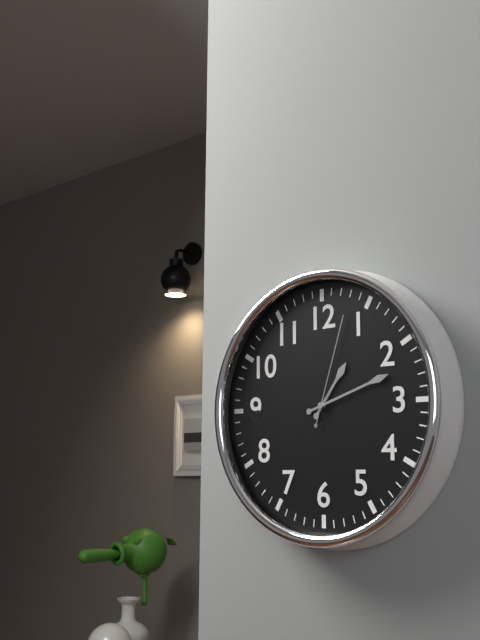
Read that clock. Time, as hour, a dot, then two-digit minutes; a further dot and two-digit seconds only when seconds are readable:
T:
1.12.03
